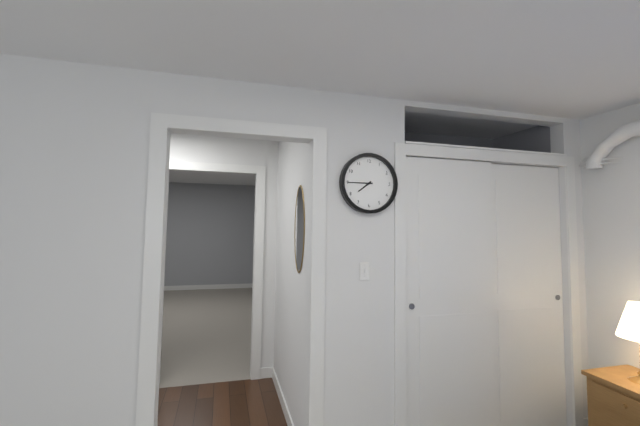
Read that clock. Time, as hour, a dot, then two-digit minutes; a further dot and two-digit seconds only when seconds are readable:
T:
7.45
